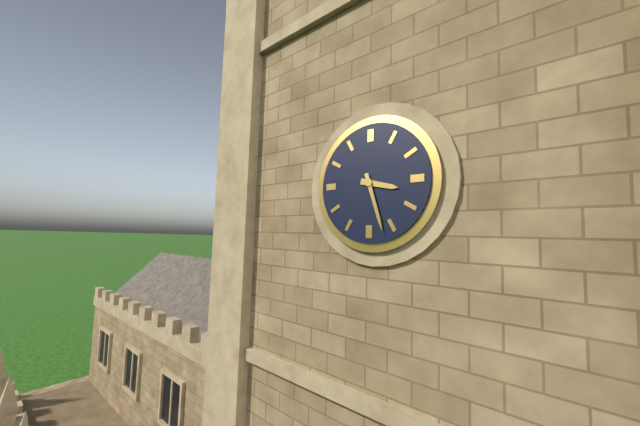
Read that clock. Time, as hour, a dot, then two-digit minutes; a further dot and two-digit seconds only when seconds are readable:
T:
3.27
